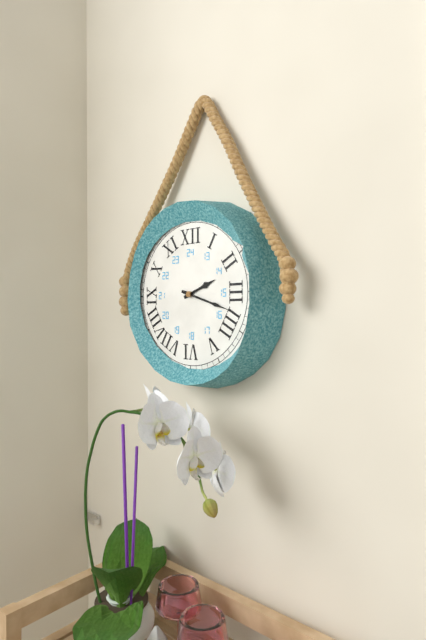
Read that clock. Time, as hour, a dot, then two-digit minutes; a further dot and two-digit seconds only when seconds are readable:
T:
2.18
